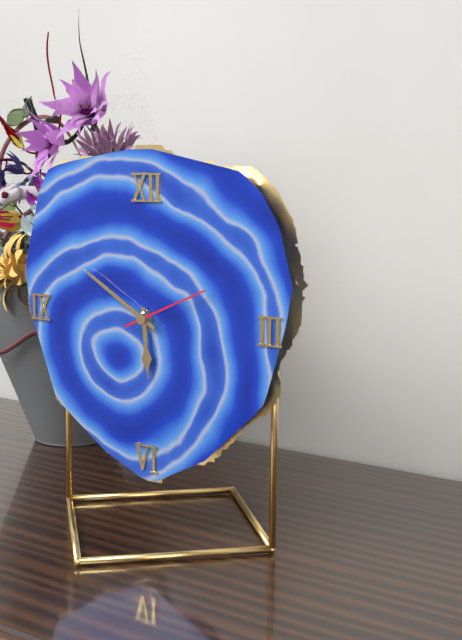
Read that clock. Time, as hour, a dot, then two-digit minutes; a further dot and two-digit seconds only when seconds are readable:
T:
5.50.11
